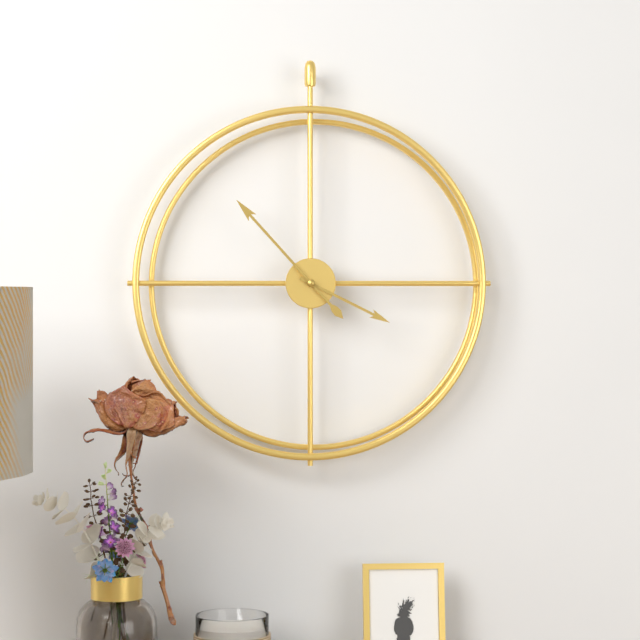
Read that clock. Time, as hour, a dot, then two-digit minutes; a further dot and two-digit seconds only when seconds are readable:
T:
3.53
